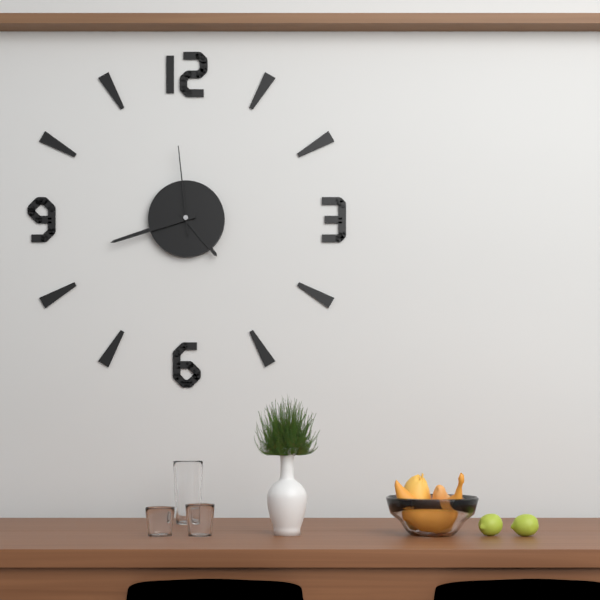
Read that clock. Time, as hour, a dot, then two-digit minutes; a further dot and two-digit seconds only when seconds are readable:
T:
4.42.59
